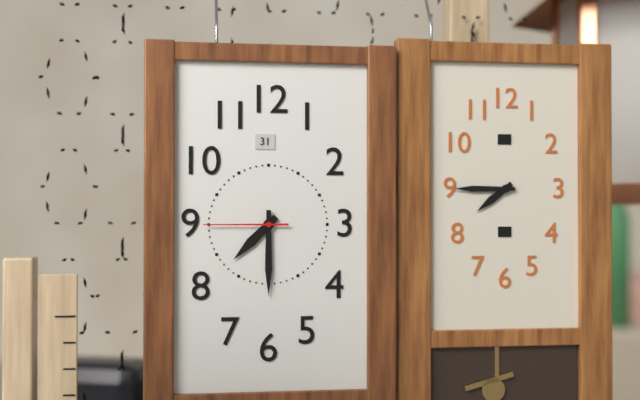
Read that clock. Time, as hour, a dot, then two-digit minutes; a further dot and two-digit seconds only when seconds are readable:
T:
7.30.45
